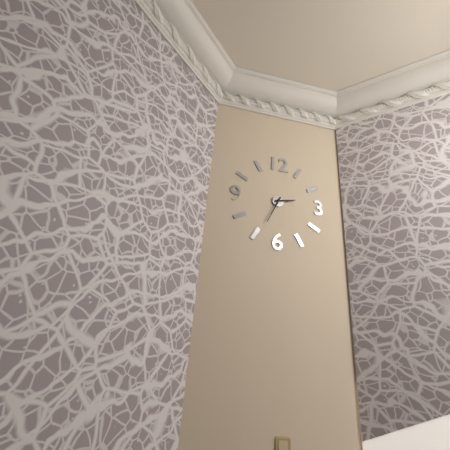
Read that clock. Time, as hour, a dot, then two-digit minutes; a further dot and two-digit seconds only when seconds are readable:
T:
2.34
